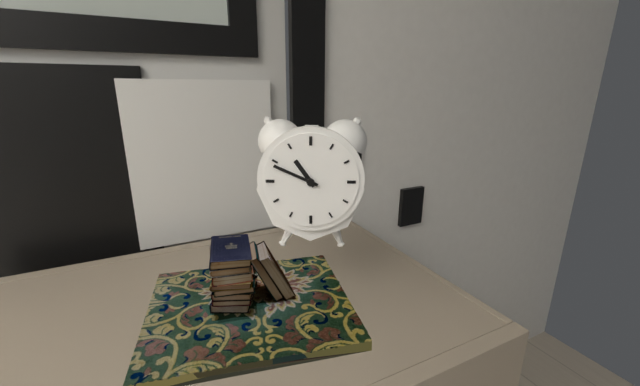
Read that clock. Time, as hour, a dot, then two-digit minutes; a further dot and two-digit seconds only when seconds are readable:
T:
10.49
